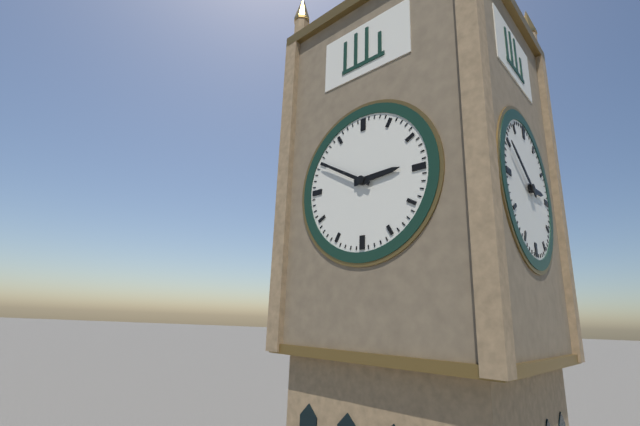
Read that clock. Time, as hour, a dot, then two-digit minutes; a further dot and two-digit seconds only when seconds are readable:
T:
2.50
